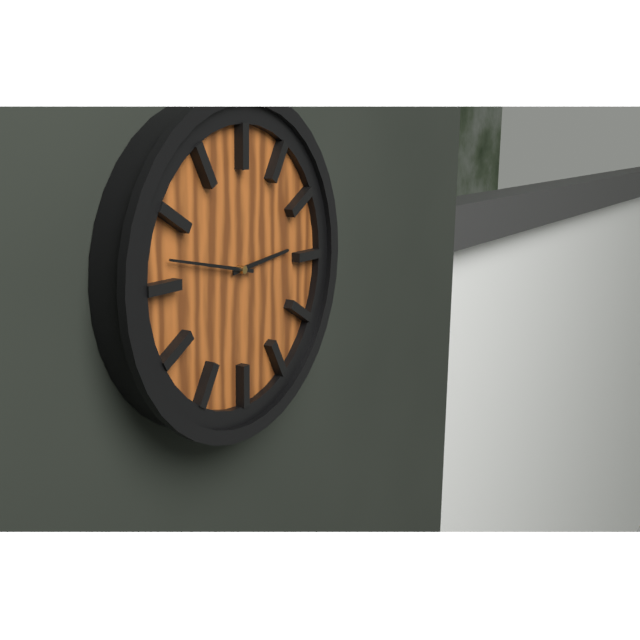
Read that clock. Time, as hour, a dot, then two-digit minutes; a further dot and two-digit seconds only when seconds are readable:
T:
2.47
